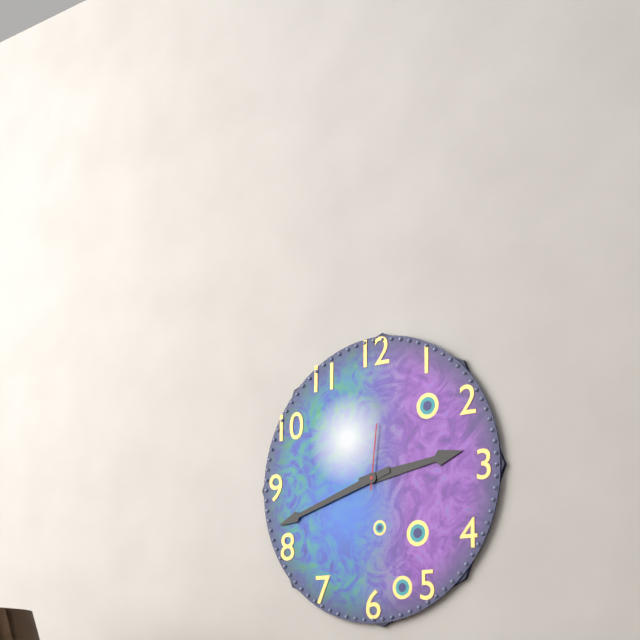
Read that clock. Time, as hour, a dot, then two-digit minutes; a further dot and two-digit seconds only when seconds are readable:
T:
2.42.01
